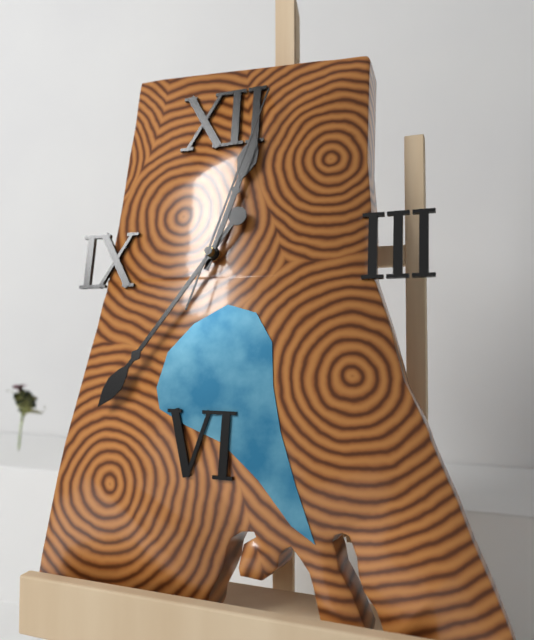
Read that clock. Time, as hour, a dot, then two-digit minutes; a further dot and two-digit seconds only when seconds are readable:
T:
12.36.03
